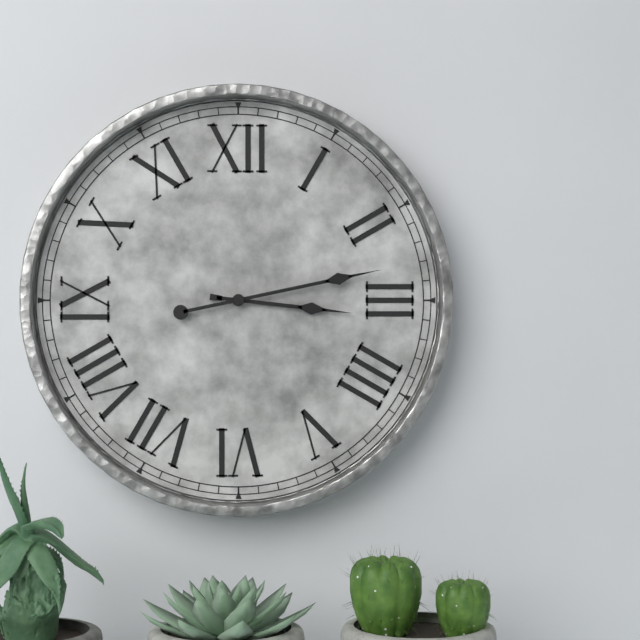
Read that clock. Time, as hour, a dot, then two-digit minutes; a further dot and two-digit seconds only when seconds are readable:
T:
3.13
